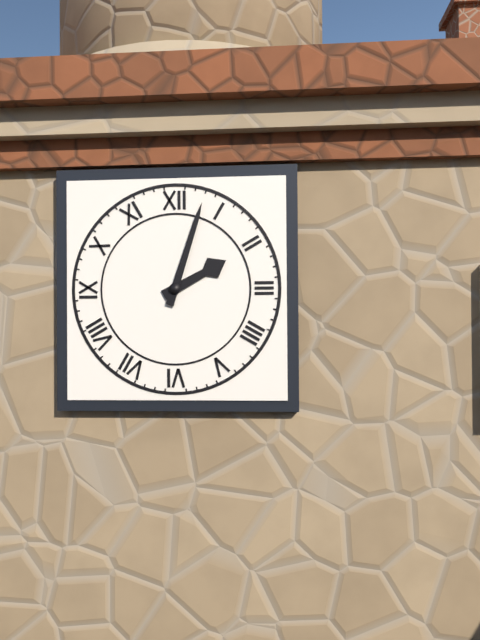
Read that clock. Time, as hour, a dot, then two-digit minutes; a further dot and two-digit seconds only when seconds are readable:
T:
2.03
